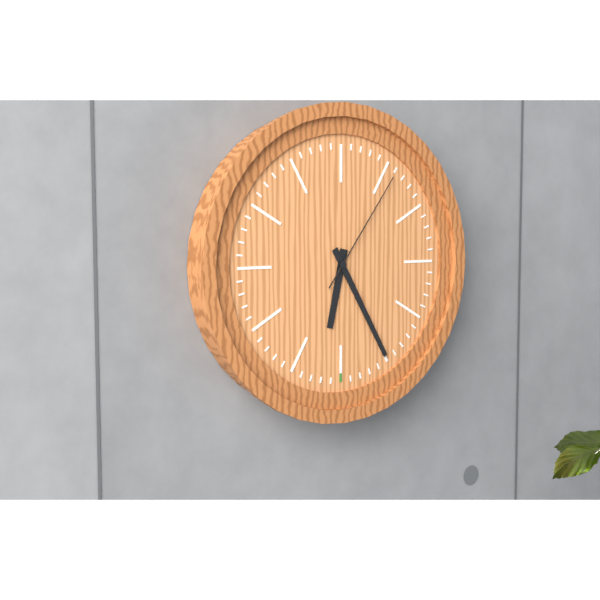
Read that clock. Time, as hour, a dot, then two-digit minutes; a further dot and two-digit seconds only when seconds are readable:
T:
6.25.06
